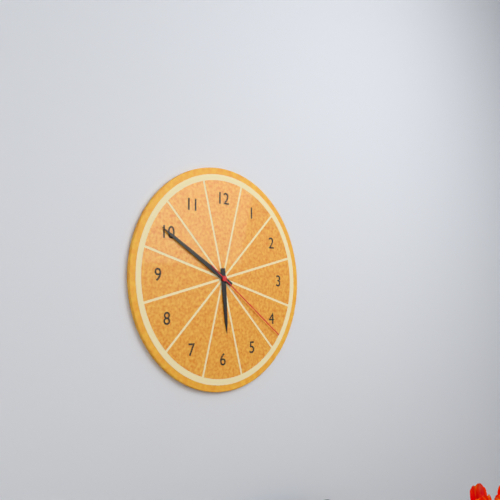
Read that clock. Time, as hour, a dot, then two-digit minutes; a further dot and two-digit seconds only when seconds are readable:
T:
5.50.21
